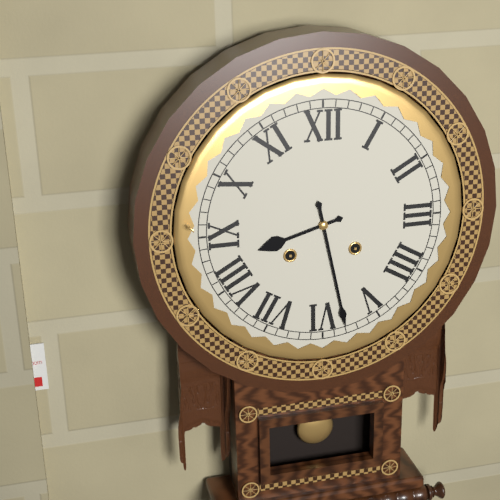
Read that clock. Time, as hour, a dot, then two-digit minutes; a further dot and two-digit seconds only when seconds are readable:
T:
8.28
